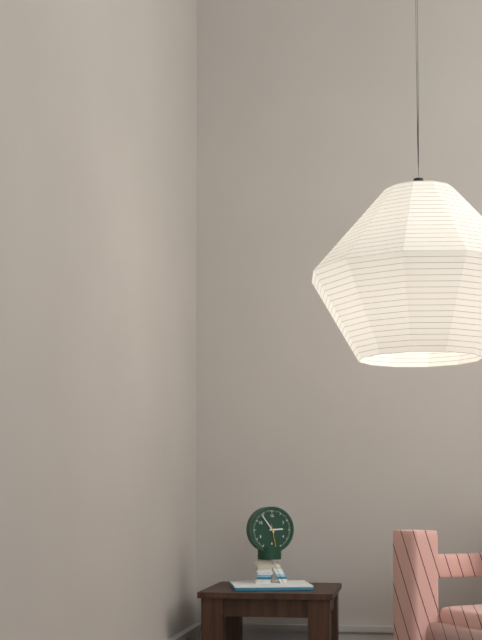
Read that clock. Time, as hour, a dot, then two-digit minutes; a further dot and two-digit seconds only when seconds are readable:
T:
2.54
